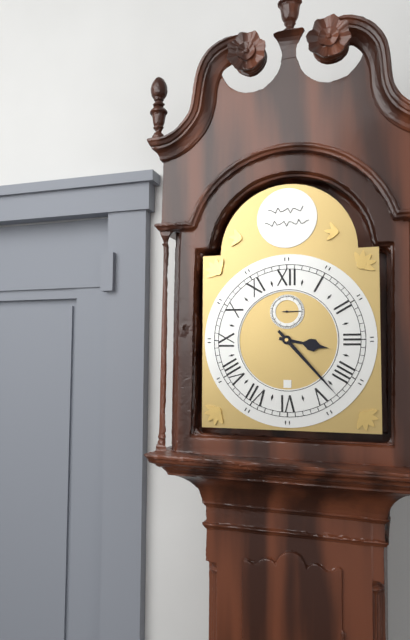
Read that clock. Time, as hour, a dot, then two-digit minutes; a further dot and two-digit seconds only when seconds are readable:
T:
3.23
